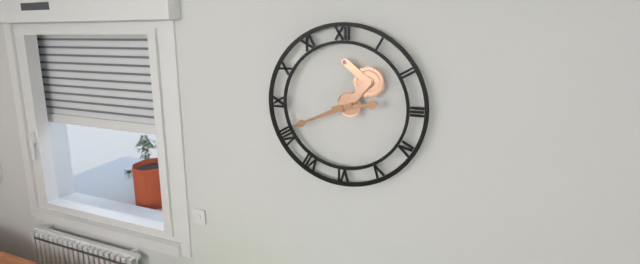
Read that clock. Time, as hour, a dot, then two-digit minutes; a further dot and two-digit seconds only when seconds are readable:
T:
2.41
